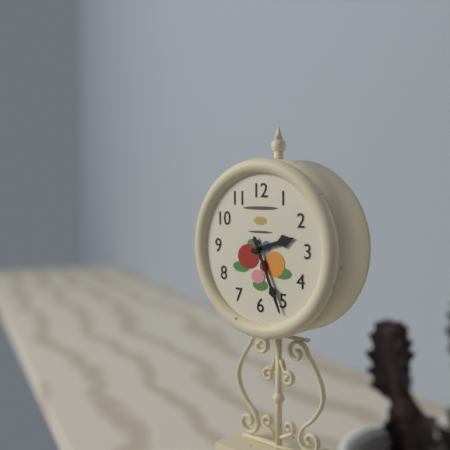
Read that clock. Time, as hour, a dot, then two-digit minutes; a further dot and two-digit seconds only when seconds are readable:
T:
2.26
